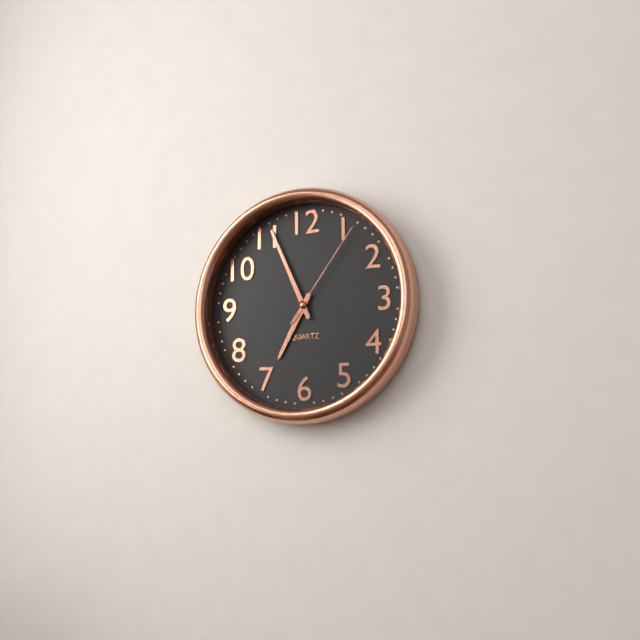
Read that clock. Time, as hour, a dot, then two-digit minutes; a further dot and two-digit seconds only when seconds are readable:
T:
6.56.06
